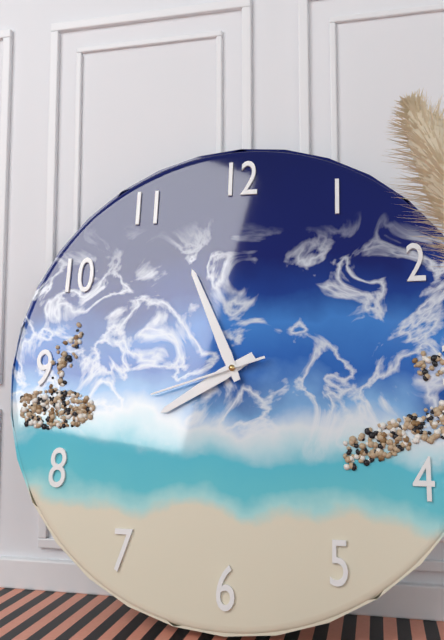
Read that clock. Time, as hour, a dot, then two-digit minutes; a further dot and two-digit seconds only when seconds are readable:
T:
7.56.42
